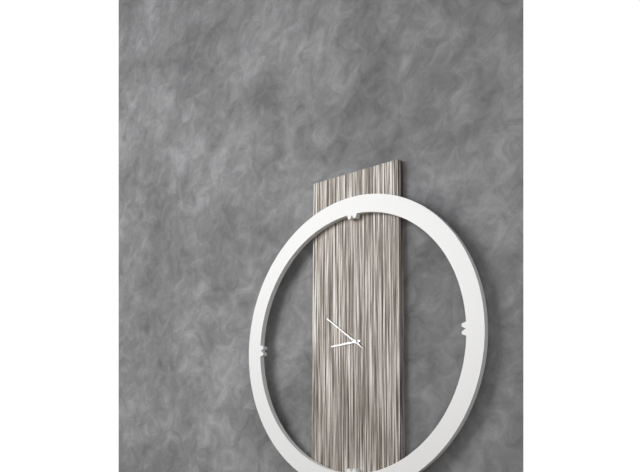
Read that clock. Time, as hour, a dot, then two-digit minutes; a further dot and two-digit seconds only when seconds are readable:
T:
8.51
